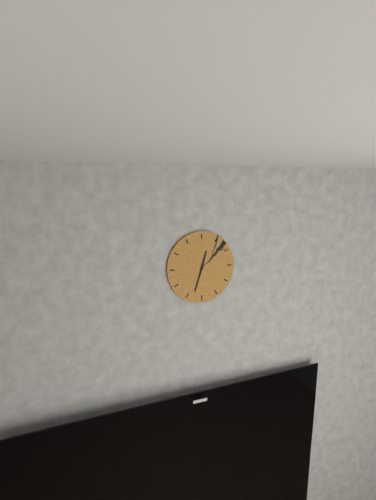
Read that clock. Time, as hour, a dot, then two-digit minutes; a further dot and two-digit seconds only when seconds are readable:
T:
12.33
